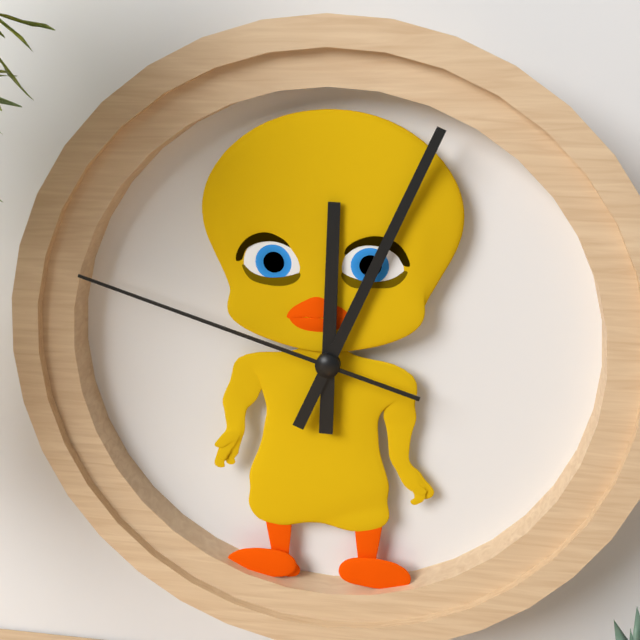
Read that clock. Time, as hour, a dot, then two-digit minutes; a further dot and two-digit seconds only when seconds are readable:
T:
12.04.48
